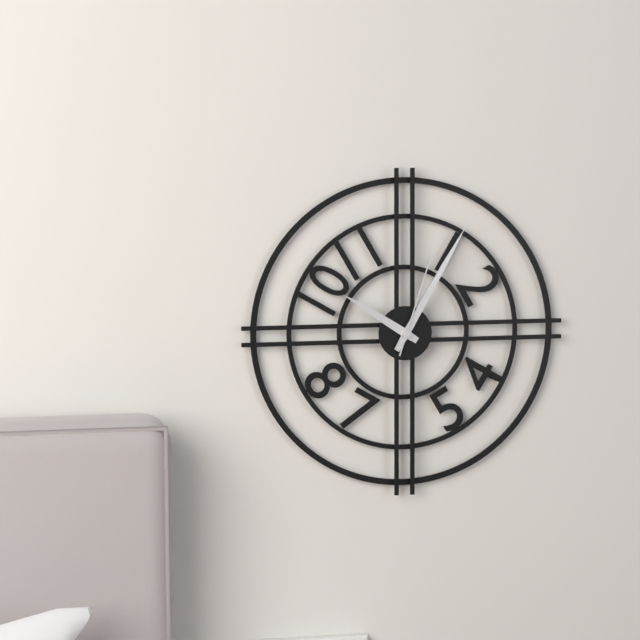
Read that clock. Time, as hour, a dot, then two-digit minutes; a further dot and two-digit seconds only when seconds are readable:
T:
10.05.03
